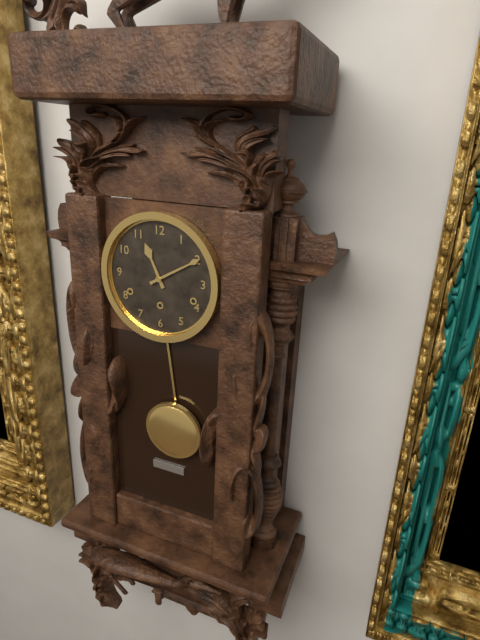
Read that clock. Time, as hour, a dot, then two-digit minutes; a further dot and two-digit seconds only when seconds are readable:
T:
11.10
